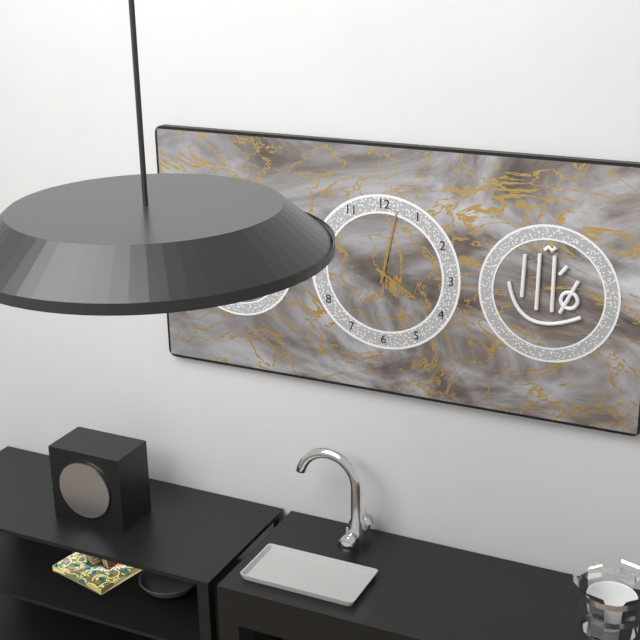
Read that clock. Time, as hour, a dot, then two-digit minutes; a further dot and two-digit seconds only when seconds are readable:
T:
4.02
